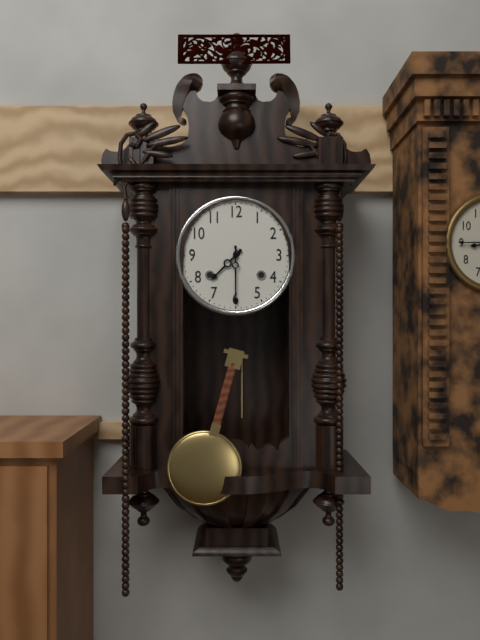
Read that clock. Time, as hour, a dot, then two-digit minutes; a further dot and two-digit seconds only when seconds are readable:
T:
7.30
